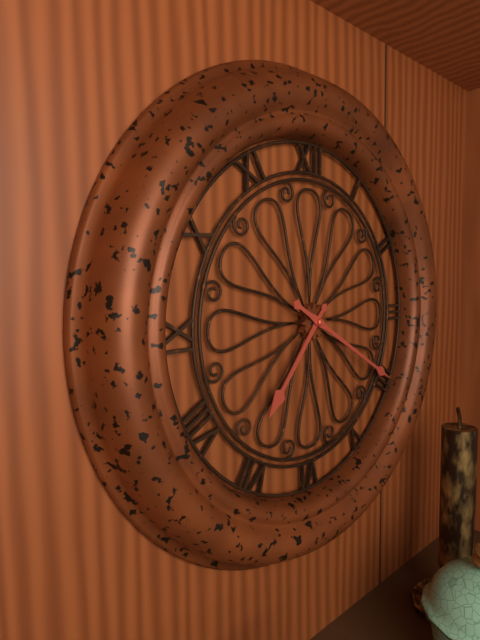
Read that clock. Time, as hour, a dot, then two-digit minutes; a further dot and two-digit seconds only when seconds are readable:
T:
7.20
